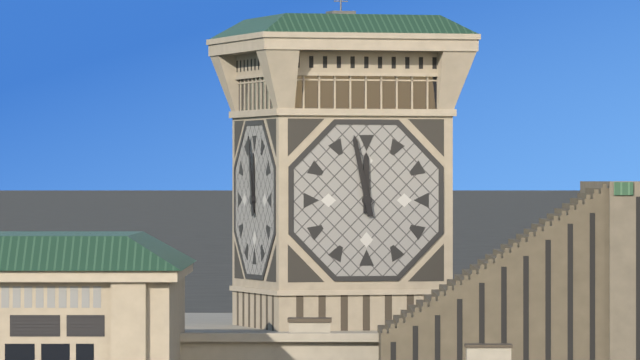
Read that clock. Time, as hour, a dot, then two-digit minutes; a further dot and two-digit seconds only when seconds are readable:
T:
11.58
